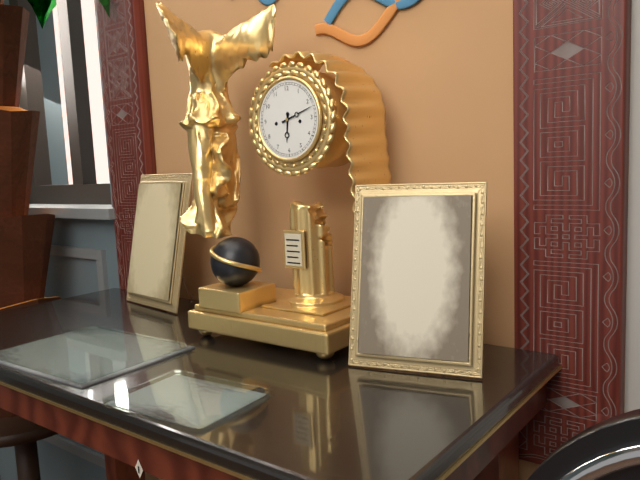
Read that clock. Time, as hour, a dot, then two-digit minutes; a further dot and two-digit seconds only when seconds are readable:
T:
6.12
